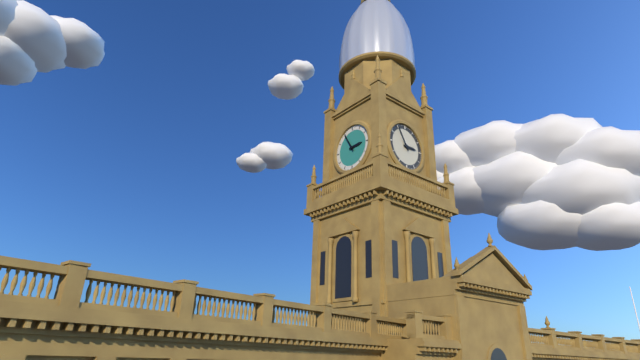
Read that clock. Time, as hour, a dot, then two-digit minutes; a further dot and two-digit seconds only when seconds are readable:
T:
2.55
